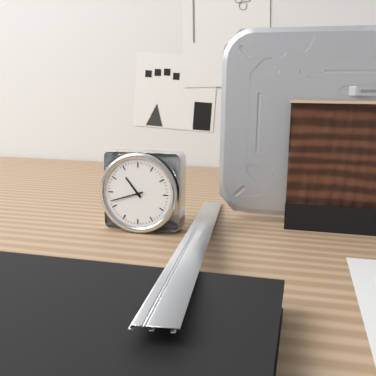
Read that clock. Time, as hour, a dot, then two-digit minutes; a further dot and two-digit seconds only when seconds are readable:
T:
10.42
